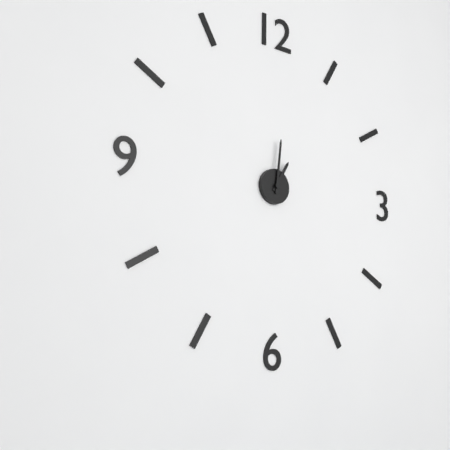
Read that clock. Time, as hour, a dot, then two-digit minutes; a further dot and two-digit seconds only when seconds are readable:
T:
1.01
